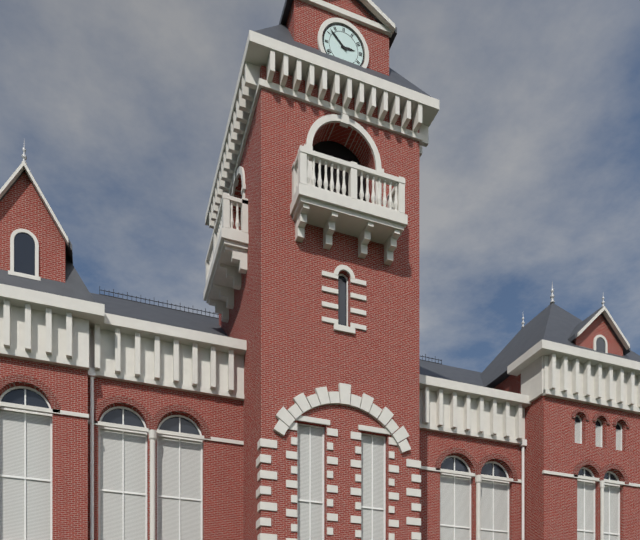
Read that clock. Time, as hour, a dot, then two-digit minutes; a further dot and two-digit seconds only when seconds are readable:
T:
2.52
